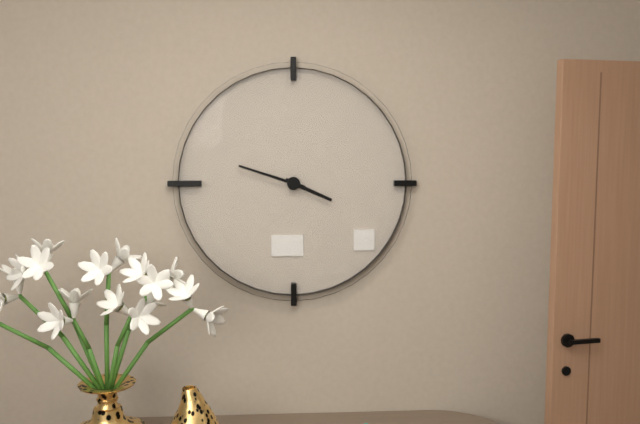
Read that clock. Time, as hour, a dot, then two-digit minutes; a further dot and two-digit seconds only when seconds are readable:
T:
3.48
